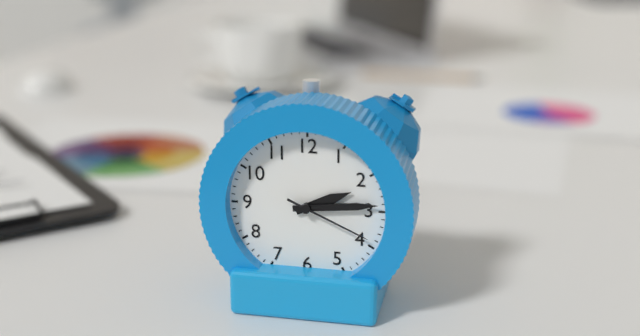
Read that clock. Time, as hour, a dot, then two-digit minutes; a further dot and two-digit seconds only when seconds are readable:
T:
2.14.19
